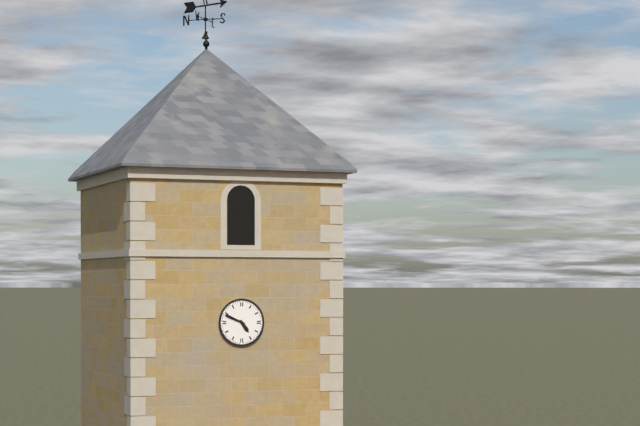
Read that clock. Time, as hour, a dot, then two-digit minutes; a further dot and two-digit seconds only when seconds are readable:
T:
4.49
